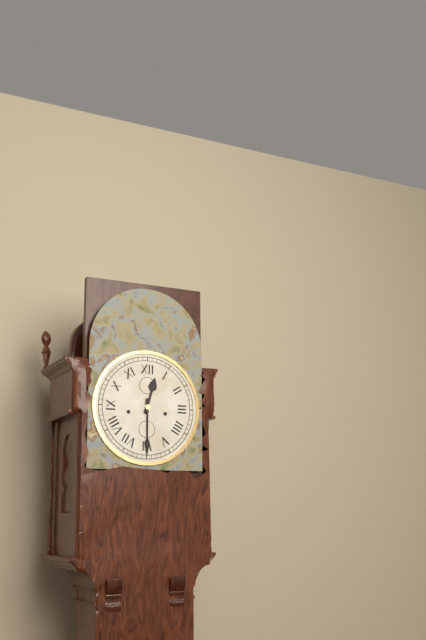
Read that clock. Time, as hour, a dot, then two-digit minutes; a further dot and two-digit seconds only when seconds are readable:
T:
12.30
